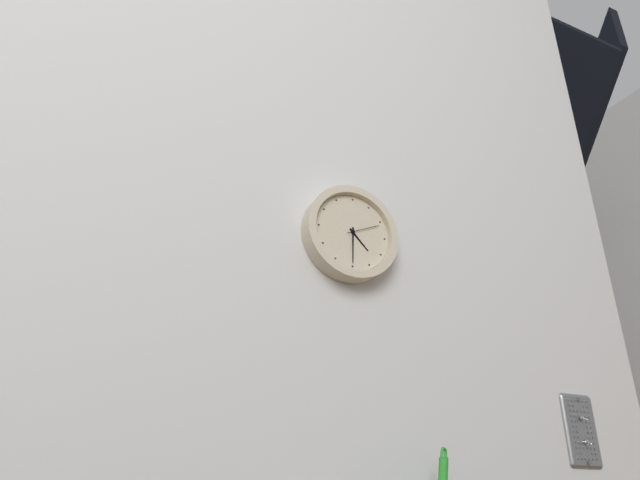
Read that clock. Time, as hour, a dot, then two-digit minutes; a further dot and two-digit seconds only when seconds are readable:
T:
4.30
